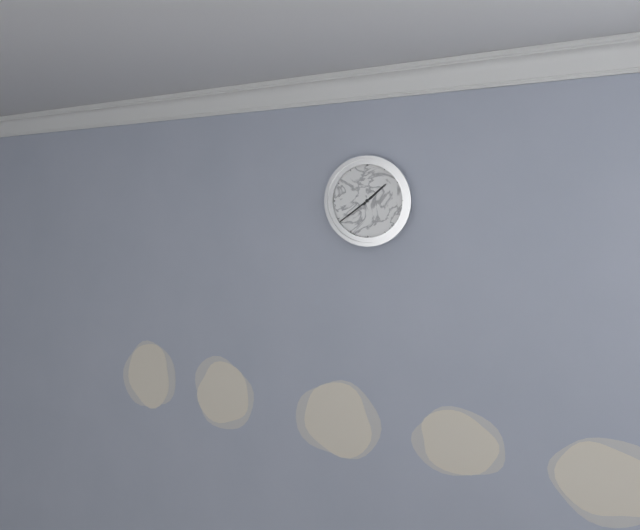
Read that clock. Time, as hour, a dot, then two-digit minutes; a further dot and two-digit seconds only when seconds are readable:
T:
1.39
